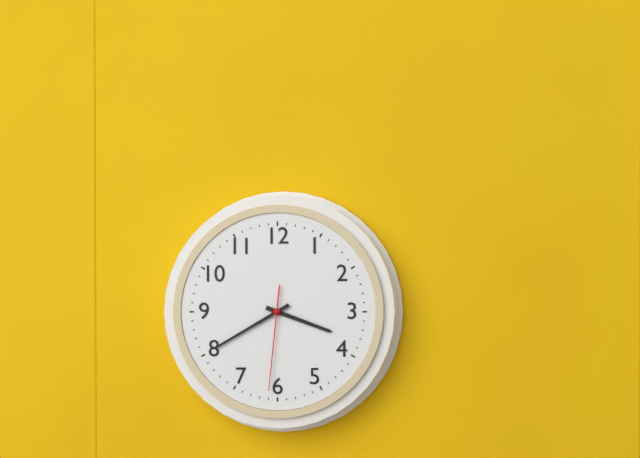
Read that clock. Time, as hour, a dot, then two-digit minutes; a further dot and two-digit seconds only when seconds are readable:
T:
3.40.31
